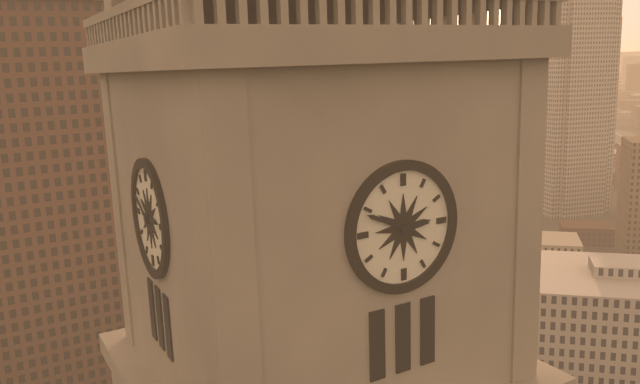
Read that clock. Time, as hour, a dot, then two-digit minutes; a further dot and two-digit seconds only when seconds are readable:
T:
2.49
